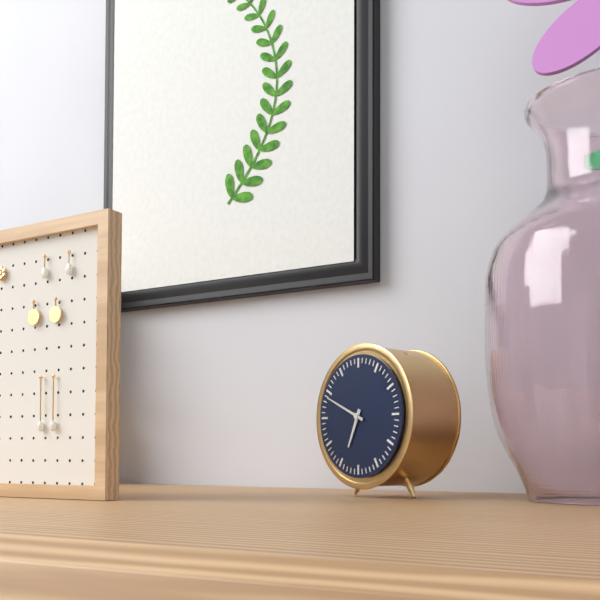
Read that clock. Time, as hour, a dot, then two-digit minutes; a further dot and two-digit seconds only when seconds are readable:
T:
6.49
